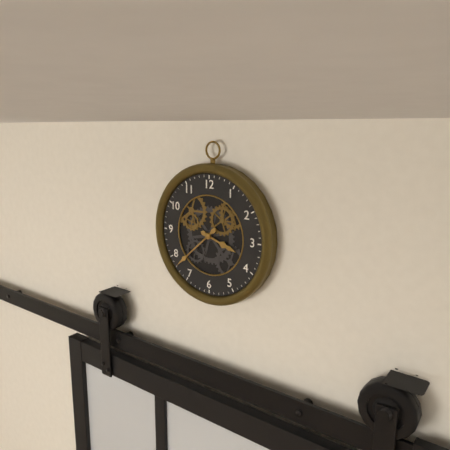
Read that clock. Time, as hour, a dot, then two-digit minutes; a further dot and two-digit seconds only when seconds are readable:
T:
3.38
